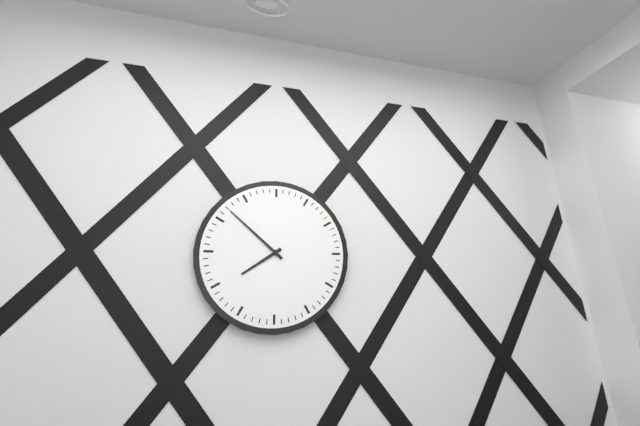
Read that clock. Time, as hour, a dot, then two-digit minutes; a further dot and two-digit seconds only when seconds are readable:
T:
7.52
